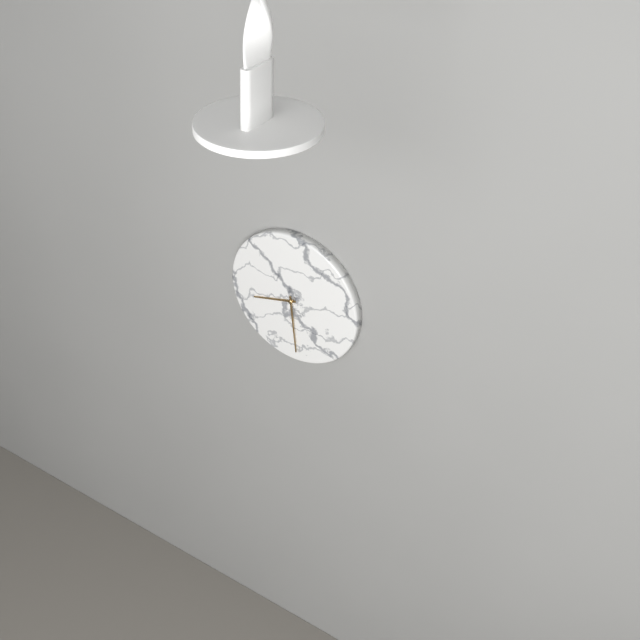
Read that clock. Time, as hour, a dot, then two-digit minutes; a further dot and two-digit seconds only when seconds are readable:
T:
8.29
